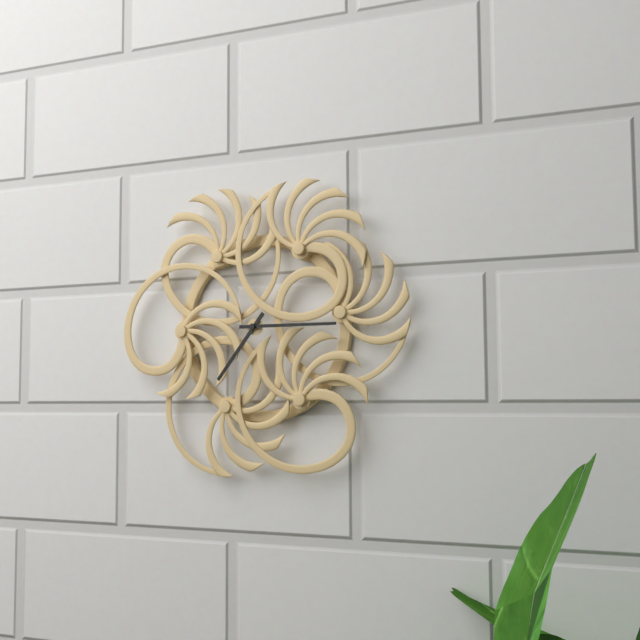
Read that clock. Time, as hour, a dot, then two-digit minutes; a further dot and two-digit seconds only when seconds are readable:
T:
7.15
